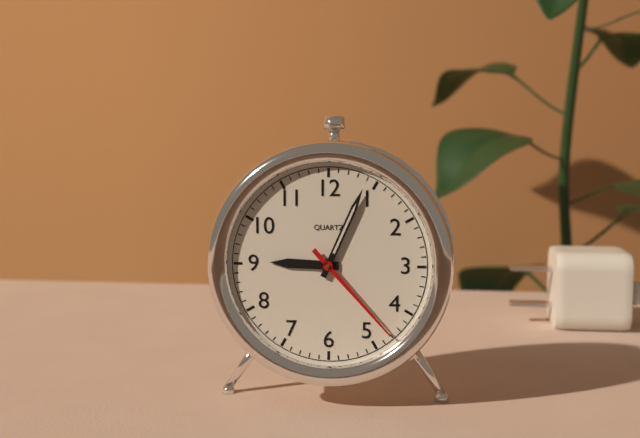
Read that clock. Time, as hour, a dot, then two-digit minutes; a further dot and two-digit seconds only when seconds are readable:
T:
9.04.23
